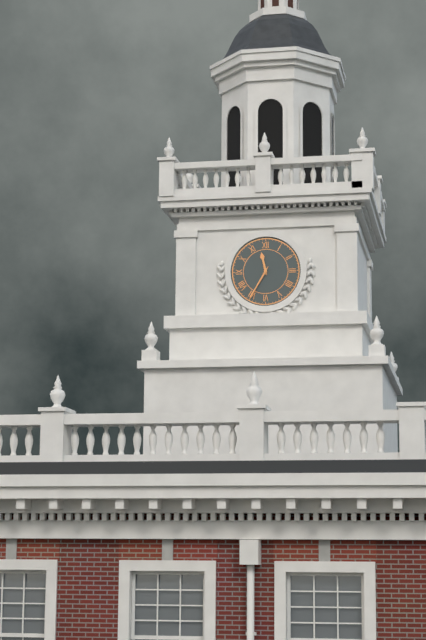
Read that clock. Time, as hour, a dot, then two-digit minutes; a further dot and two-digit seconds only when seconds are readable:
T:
11.35
